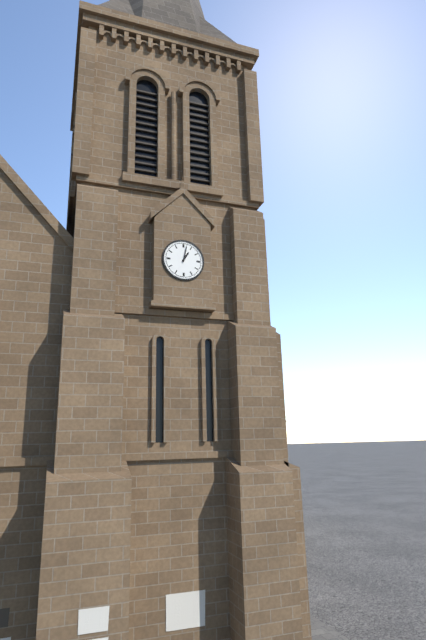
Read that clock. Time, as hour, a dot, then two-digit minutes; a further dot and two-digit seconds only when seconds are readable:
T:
1.02
